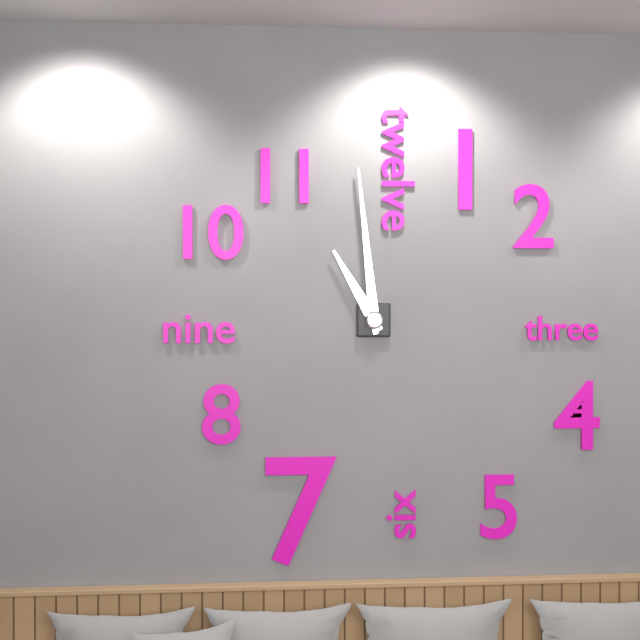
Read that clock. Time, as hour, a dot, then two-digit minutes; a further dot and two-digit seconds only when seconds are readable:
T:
10.59
